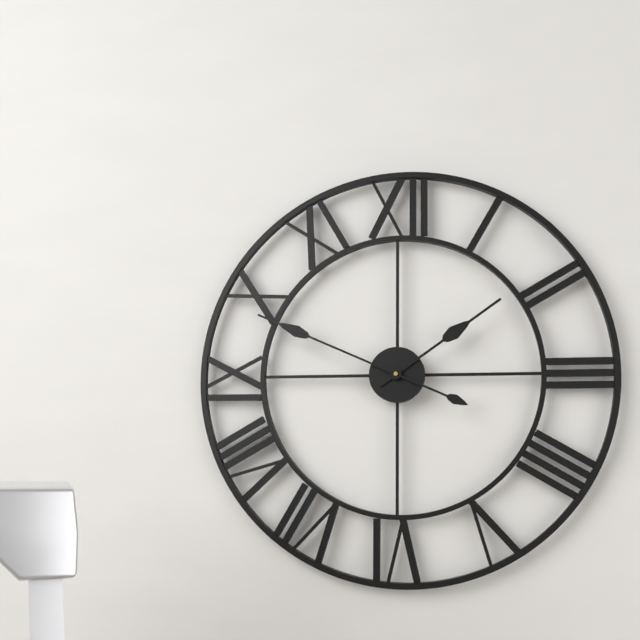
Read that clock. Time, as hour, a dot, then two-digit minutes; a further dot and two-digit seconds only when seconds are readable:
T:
1.49
